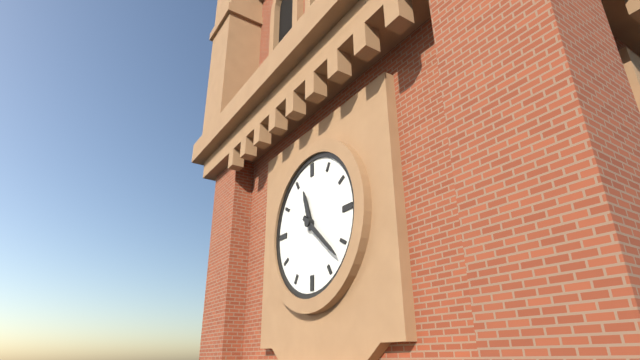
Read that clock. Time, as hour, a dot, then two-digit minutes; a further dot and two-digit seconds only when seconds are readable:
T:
11.22
